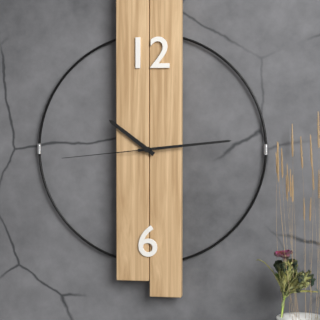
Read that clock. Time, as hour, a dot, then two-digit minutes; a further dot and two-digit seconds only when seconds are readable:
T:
10.14.44
